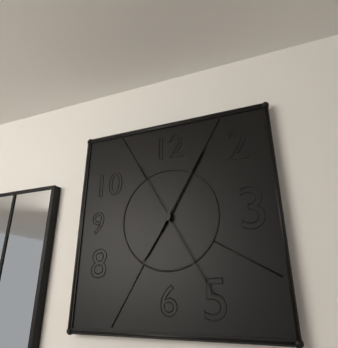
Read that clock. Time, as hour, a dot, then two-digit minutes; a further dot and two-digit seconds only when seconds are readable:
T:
7.05.25
